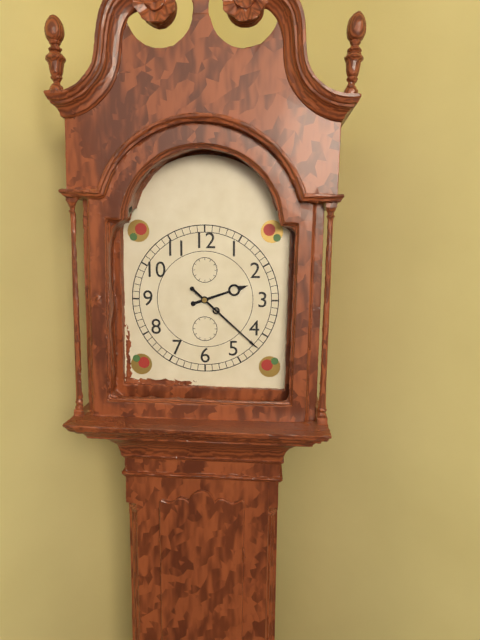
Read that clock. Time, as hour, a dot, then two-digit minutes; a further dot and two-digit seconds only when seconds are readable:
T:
2.22
